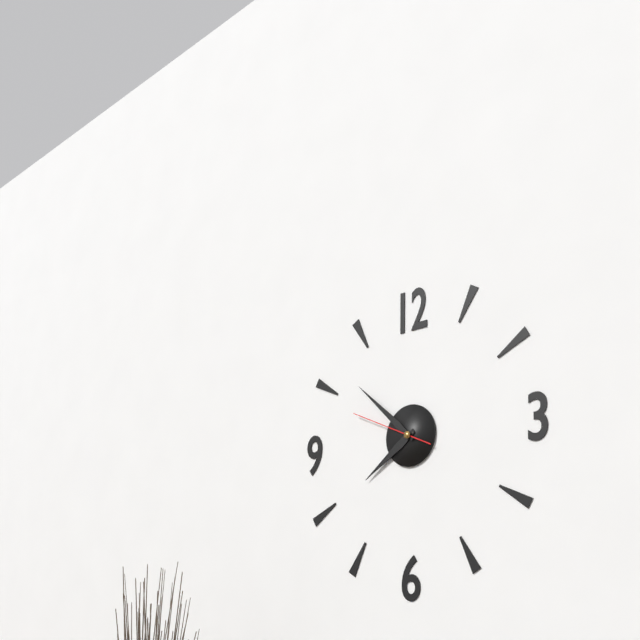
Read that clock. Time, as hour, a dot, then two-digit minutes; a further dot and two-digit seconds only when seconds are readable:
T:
7.52.49
